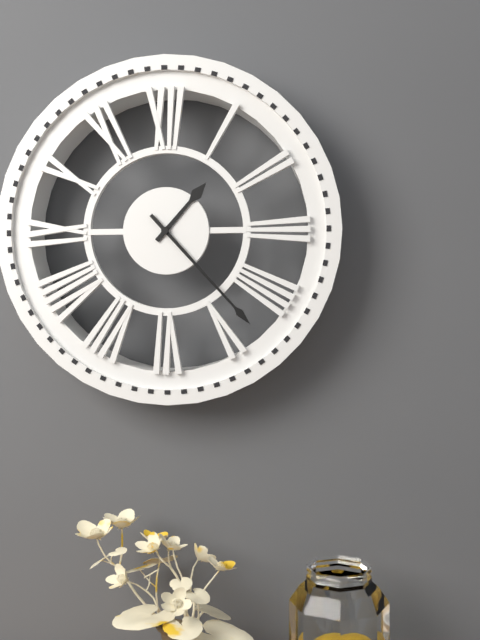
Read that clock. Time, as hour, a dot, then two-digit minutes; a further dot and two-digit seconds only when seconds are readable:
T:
1.23
